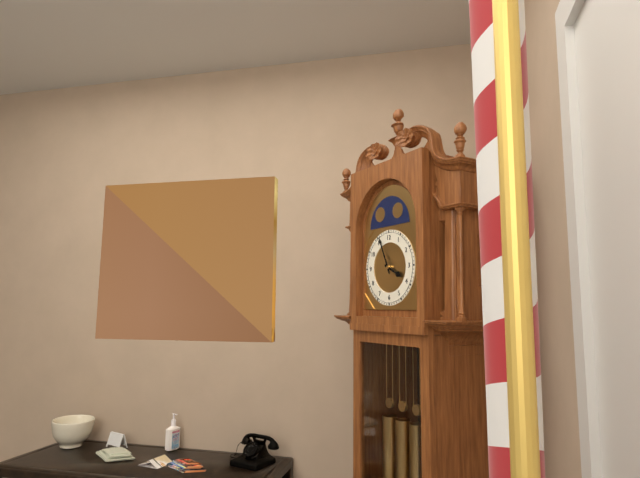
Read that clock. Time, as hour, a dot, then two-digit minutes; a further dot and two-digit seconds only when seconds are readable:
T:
3.56
